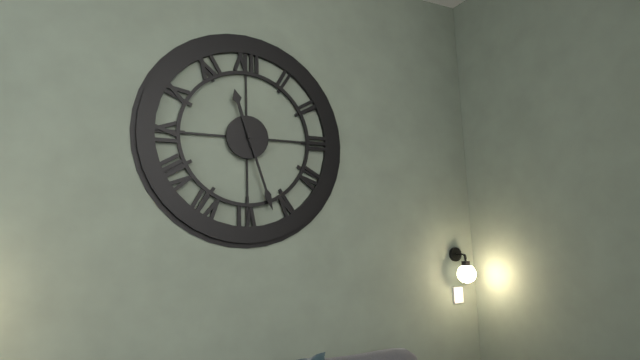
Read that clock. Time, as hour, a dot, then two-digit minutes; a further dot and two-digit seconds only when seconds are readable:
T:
11.27
